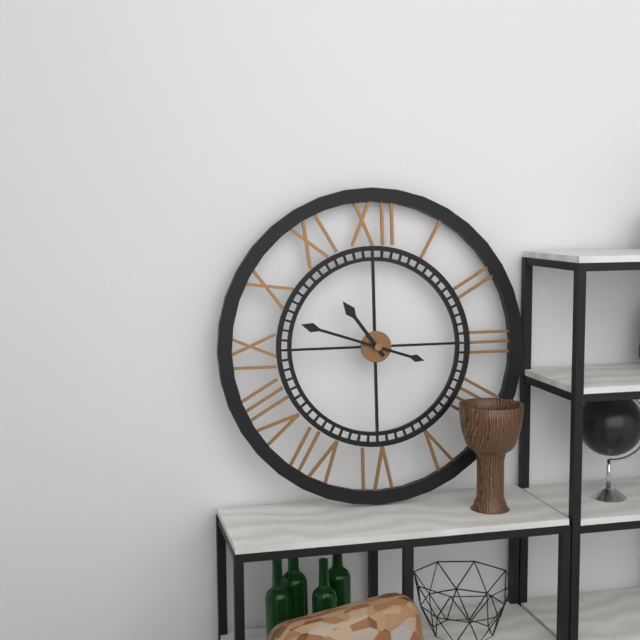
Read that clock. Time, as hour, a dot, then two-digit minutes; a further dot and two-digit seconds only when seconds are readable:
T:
10.48
